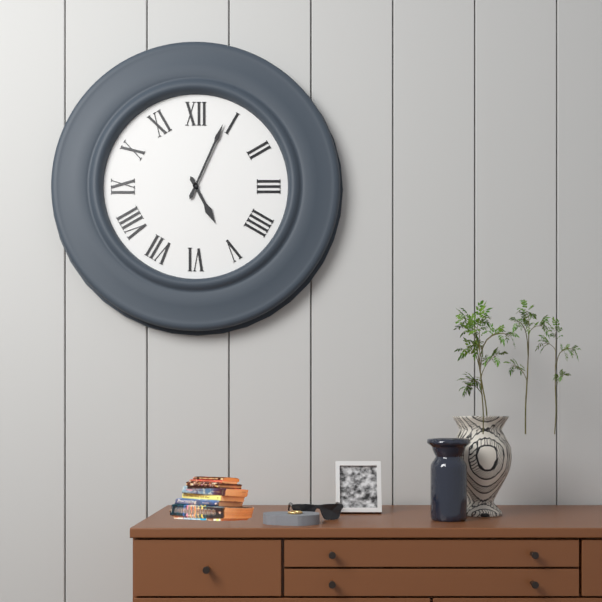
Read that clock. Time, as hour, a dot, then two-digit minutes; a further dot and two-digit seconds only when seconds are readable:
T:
5.04
